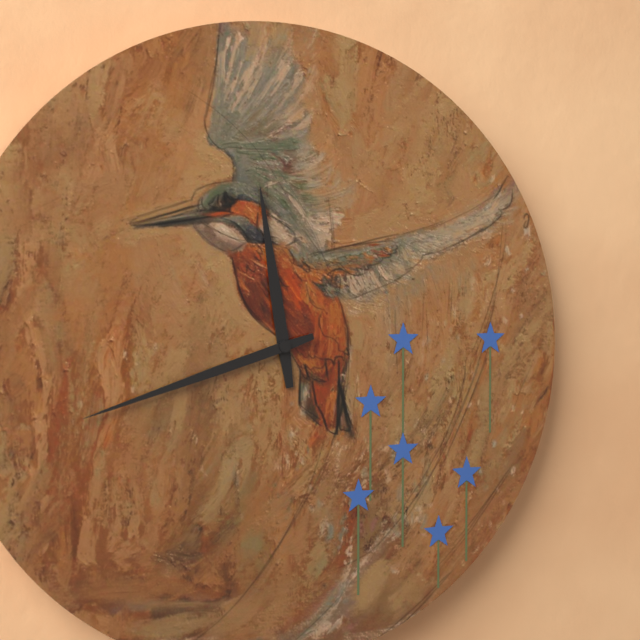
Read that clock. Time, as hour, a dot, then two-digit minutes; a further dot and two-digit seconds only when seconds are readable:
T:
11.42
